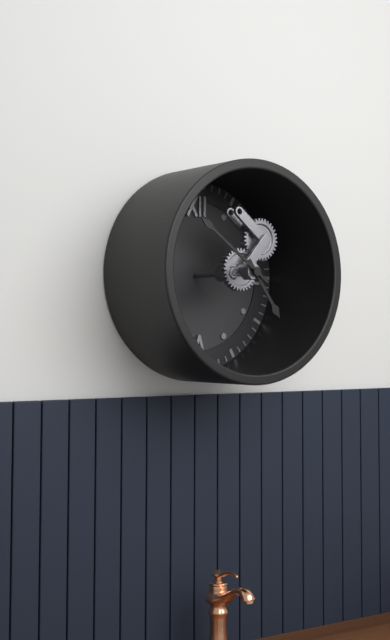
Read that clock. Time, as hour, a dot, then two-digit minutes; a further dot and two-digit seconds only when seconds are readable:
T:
4.51
